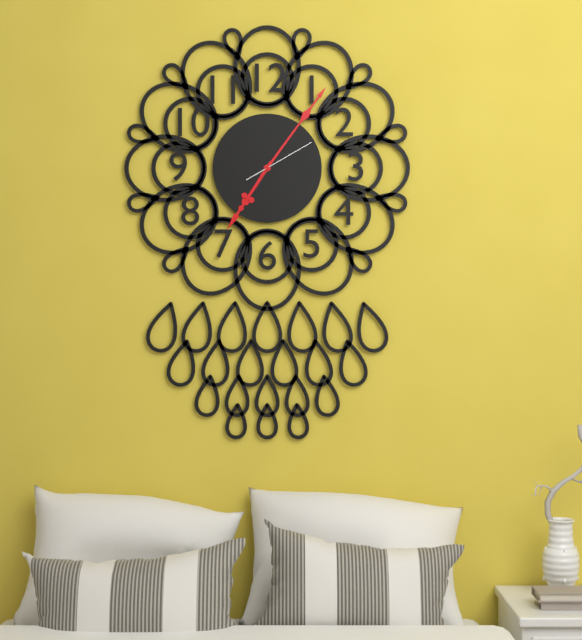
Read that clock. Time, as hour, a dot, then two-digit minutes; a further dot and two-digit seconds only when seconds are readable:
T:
7.06.10
